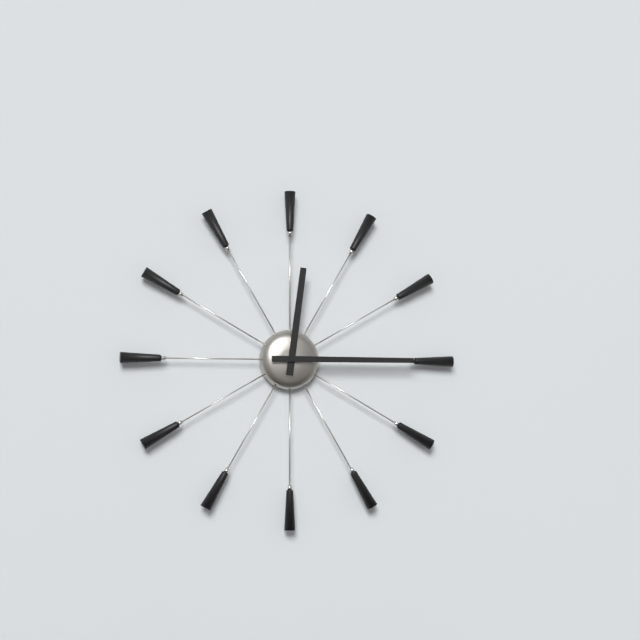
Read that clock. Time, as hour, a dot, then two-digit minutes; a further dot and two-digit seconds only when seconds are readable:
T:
12.15
